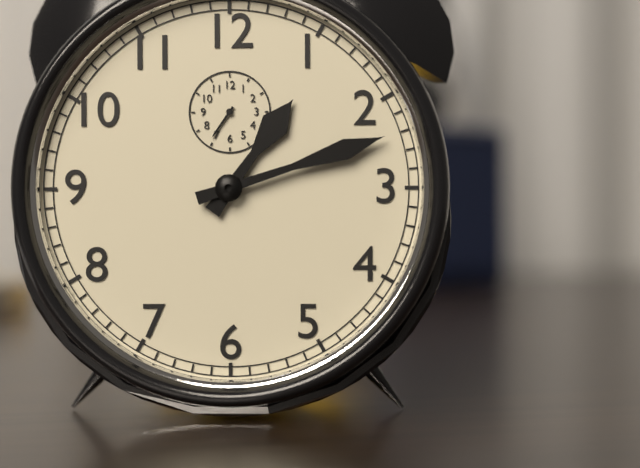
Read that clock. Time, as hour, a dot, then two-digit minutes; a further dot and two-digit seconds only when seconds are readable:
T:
1.12
